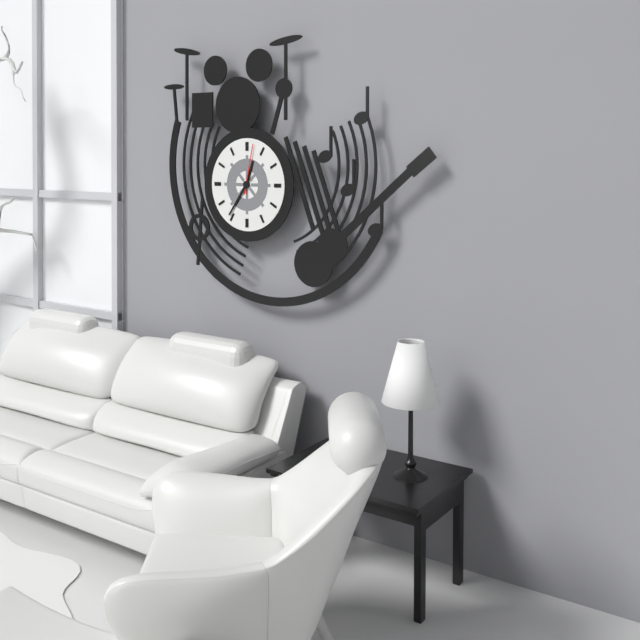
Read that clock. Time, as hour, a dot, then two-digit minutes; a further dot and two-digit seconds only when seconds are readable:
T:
12.36.02
